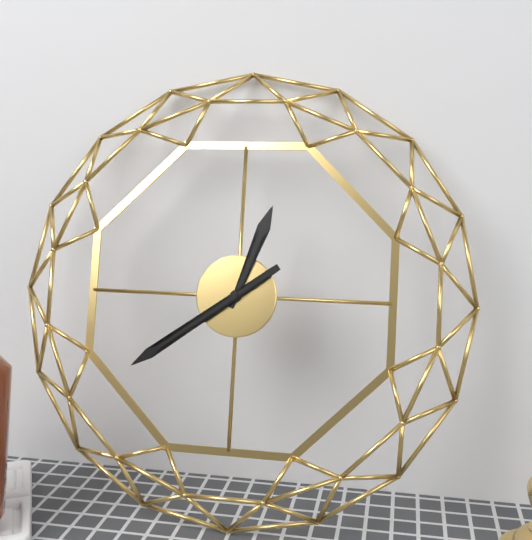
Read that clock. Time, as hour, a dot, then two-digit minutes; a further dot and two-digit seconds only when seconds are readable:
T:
12.39
